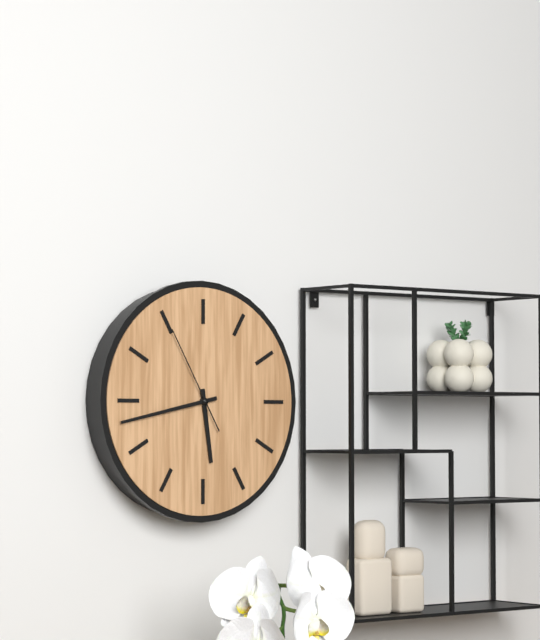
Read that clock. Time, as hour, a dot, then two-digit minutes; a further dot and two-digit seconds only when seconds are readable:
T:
5.43.55
